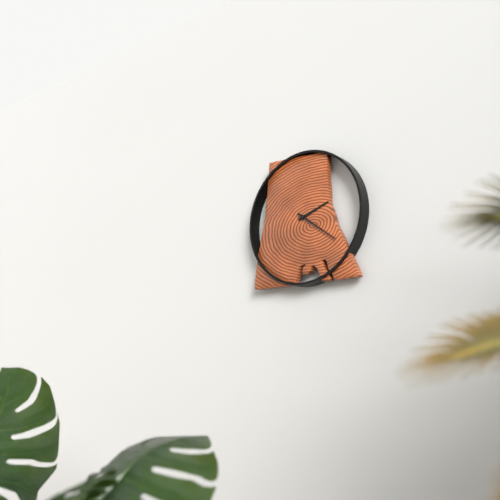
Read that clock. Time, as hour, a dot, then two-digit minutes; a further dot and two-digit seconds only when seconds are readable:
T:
2.21
